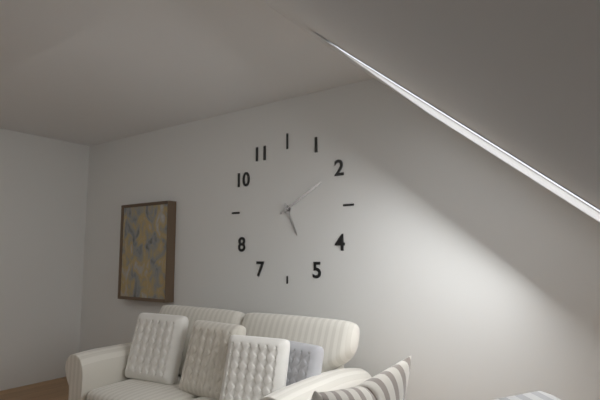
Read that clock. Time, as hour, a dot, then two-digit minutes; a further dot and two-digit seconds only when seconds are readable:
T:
5.10
